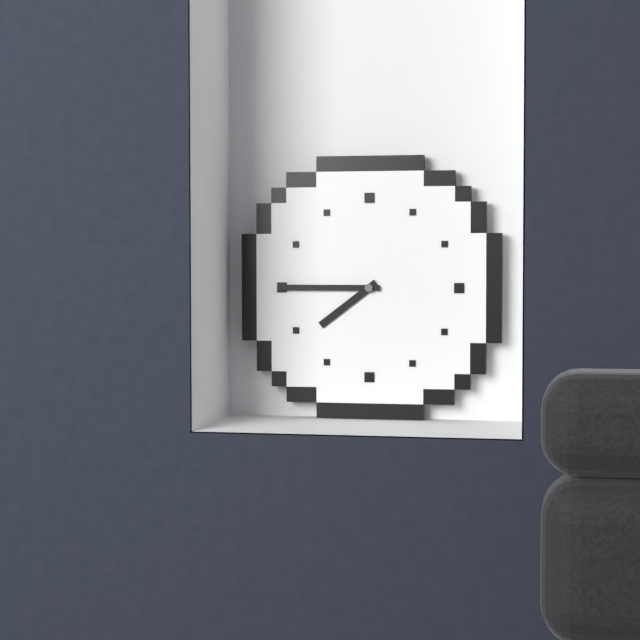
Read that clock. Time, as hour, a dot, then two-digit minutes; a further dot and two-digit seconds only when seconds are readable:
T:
7.45
